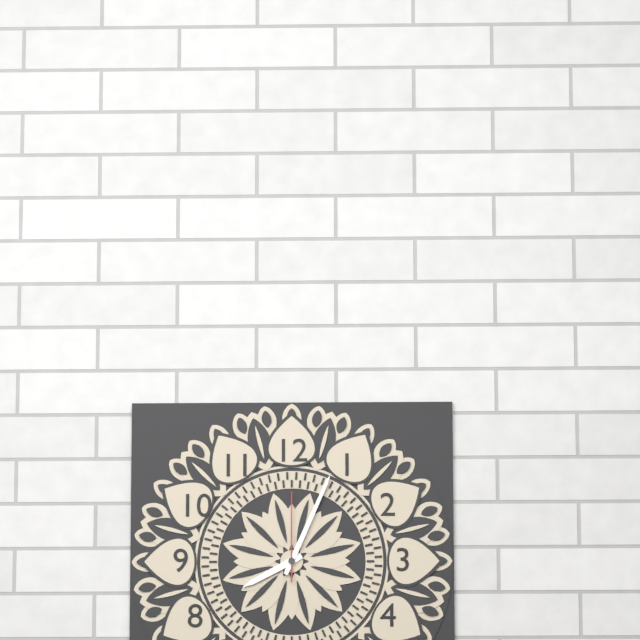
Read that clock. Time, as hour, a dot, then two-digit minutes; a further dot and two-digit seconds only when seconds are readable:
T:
8.04.00
